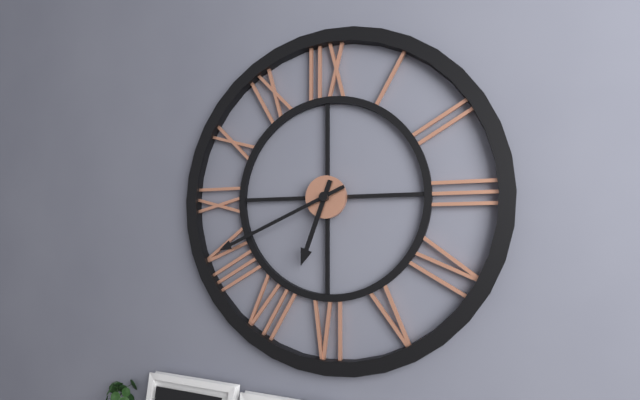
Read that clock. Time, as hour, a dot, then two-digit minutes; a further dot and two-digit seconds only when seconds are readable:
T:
6.41
